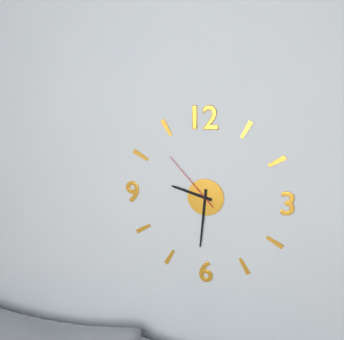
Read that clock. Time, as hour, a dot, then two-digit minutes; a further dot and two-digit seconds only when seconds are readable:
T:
9.31.53
